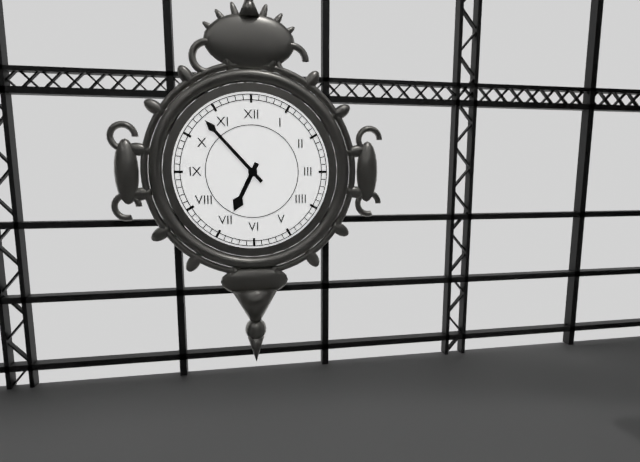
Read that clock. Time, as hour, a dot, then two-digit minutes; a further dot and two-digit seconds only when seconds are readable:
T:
6.53
